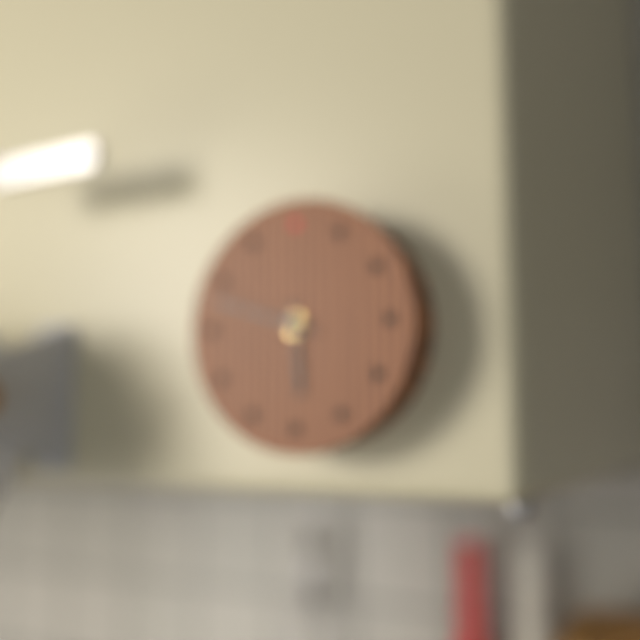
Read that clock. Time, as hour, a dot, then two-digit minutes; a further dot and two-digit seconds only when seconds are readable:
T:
5.48
